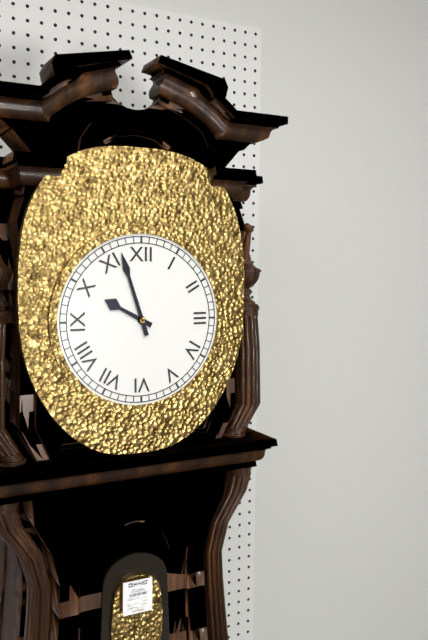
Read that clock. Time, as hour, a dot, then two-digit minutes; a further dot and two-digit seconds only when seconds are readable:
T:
9.57
